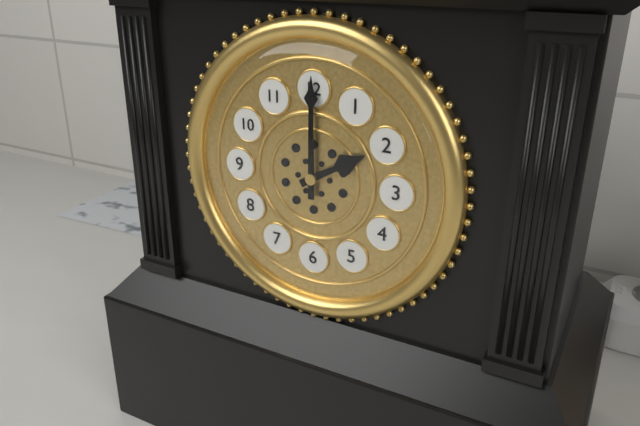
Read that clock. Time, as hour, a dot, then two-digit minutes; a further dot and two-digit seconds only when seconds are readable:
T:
2.00
